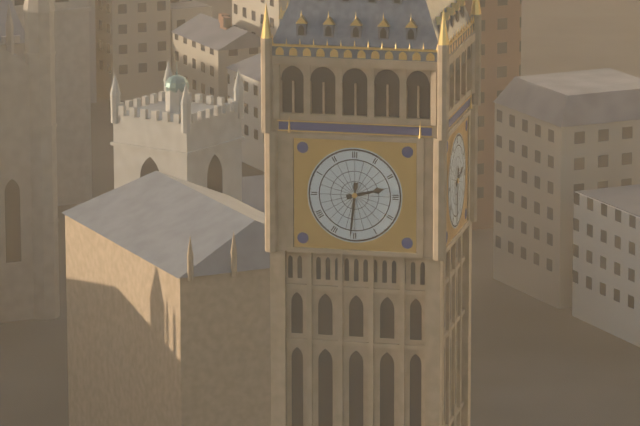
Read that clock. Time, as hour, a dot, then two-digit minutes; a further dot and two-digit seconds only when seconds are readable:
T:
2.31
